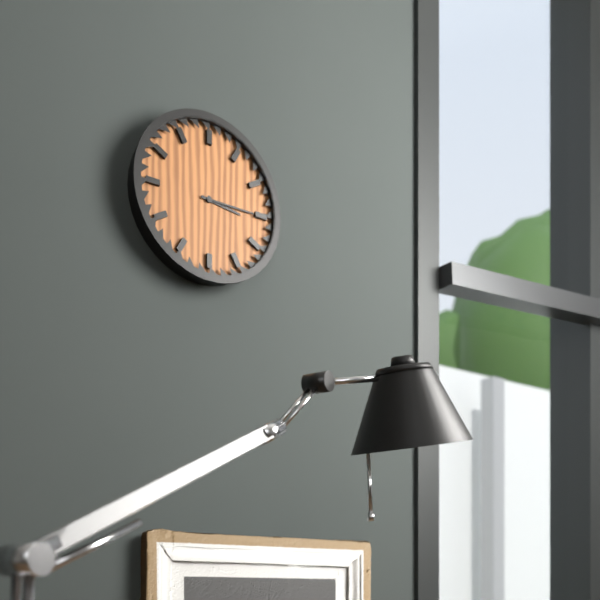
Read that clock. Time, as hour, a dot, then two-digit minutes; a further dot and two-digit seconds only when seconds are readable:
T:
3.15
